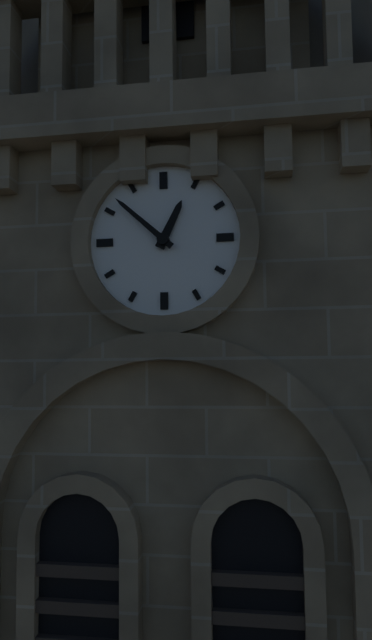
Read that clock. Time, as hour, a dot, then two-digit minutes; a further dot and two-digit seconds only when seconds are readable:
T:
12.52
